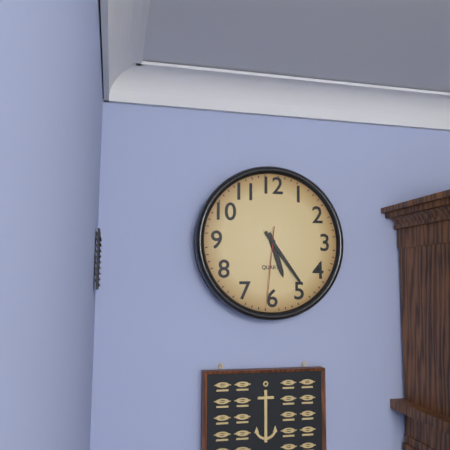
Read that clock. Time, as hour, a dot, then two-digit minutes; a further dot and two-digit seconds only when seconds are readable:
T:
5.24.31
